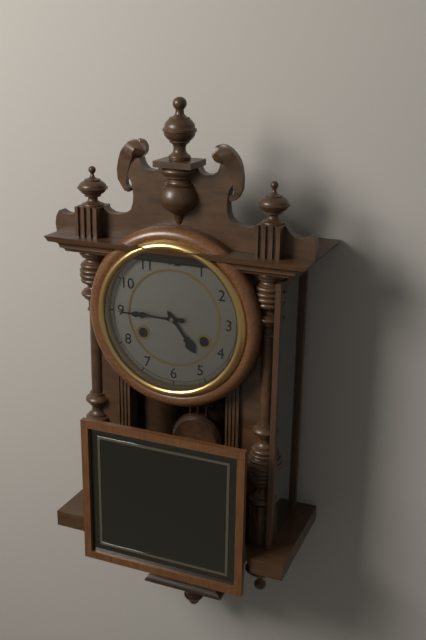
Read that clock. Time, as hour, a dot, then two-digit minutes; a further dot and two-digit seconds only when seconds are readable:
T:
4.45
